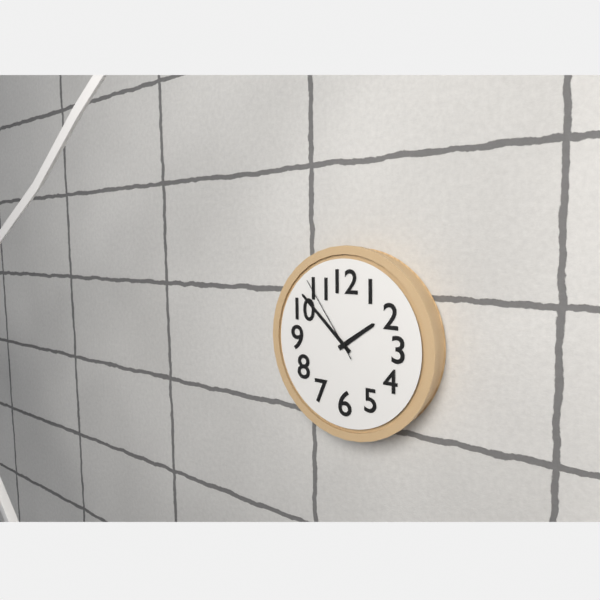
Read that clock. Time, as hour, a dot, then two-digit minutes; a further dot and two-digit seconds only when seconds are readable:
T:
1.52.54
